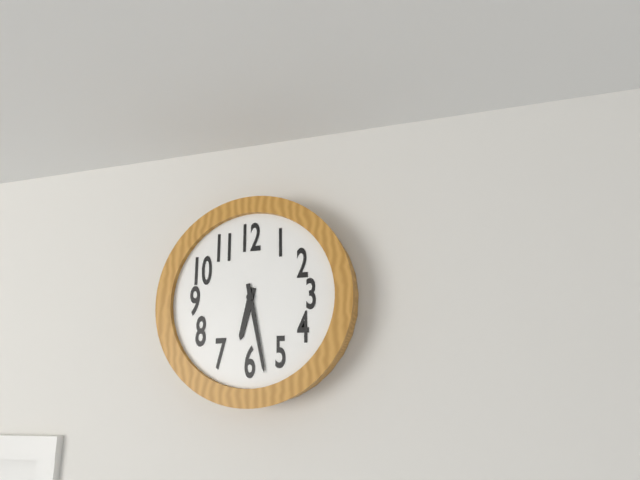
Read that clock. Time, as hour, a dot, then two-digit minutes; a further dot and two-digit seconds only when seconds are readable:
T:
6.28
